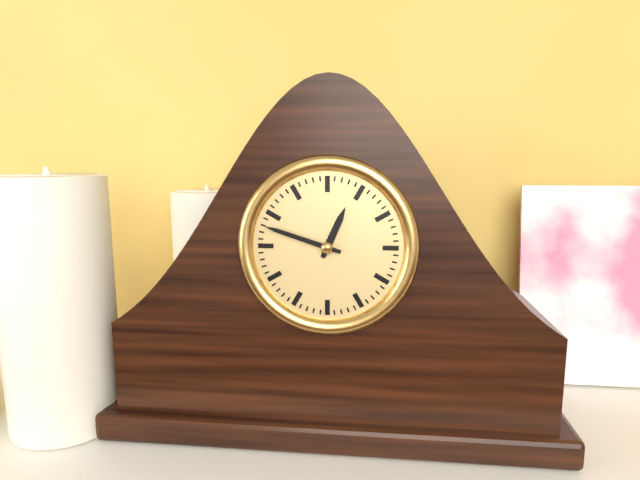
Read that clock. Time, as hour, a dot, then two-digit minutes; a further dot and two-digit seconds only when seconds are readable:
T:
12.48
